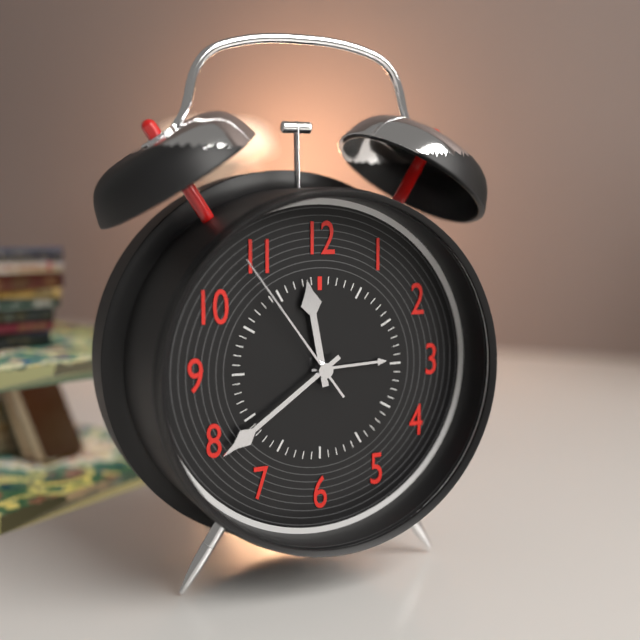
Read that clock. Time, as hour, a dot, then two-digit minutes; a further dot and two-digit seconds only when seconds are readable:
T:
11.39.54
